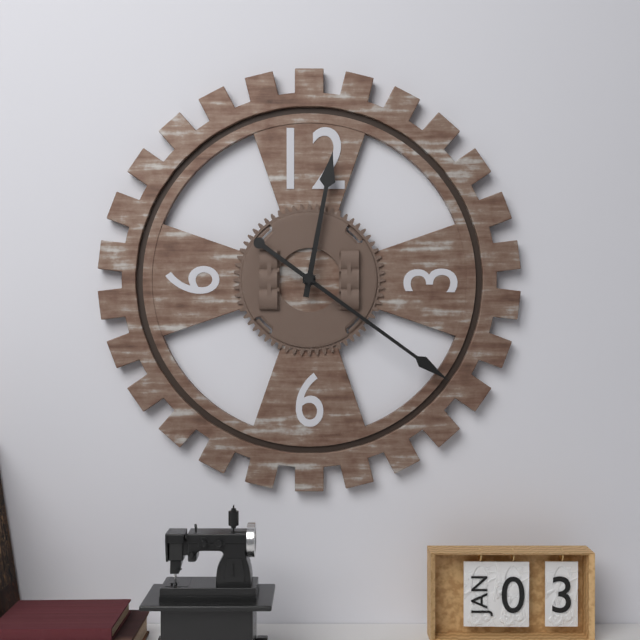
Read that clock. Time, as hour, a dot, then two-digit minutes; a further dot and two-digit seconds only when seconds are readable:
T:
12.21
